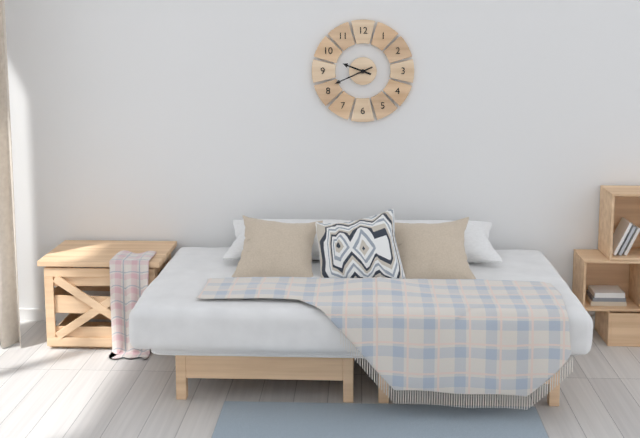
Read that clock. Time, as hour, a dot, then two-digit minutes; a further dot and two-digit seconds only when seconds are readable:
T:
9.41
